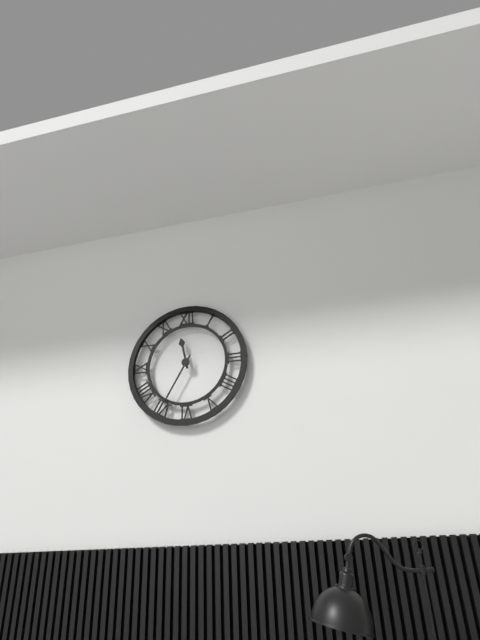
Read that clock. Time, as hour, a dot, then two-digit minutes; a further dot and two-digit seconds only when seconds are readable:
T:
11.35
